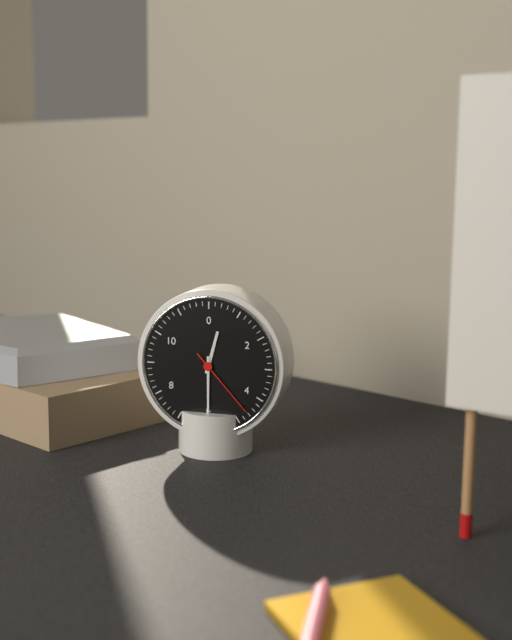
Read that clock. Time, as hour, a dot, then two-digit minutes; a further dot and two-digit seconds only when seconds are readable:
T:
12.30.23
